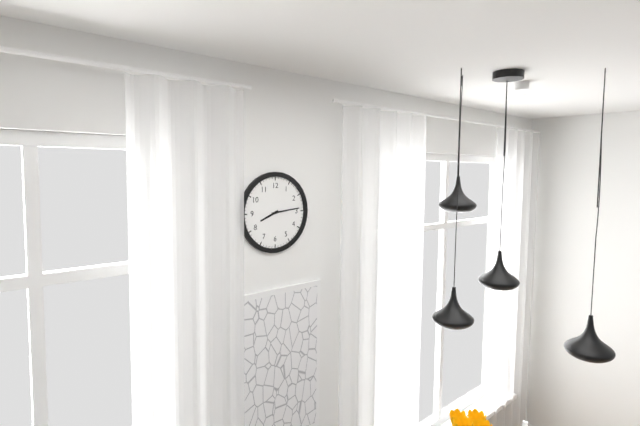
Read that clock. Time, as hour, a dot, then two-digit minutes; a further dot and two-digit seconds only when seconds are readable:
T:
8.14
